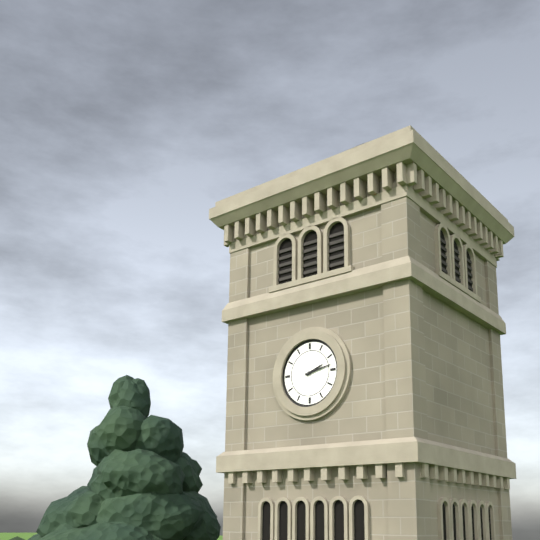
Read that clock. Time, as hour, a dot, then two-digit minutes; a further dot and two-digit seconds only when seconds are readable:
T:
2.13
